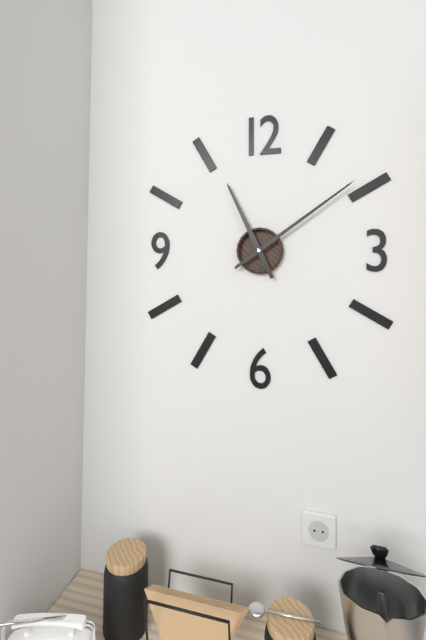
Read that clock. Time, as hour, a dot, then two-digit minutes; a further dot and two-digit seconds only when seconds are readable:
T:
11.09
